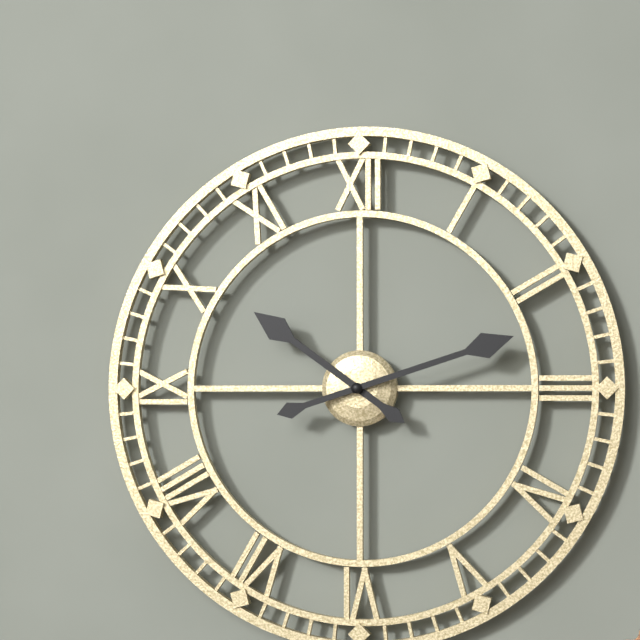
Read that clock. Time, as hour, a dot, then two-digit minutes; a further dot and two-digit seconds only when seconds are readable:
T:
10.12
